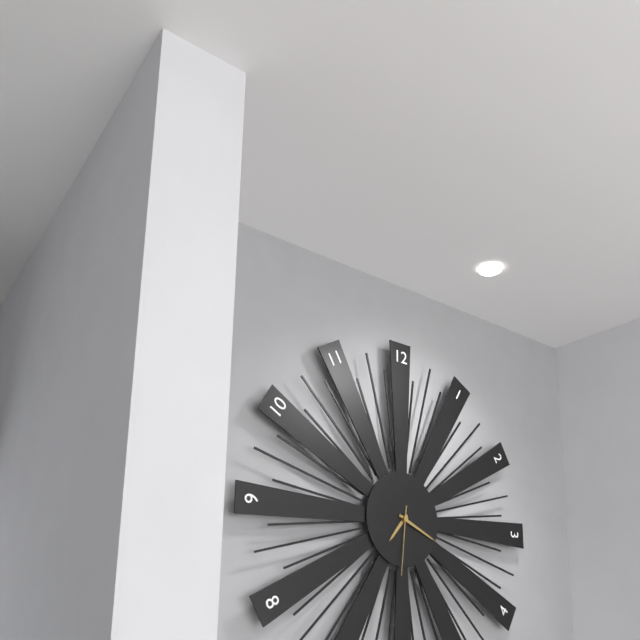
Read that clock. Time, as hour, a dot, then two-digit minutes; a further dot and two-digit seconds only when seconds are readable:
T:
7.19.31
